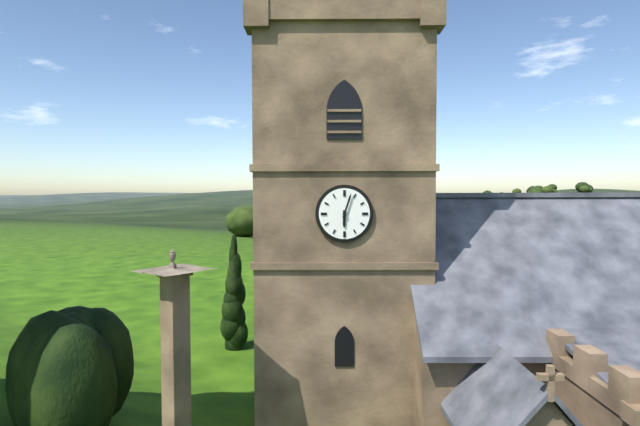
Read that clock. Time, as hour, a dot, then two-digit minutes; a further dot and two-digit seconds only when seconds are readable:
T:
6.03
